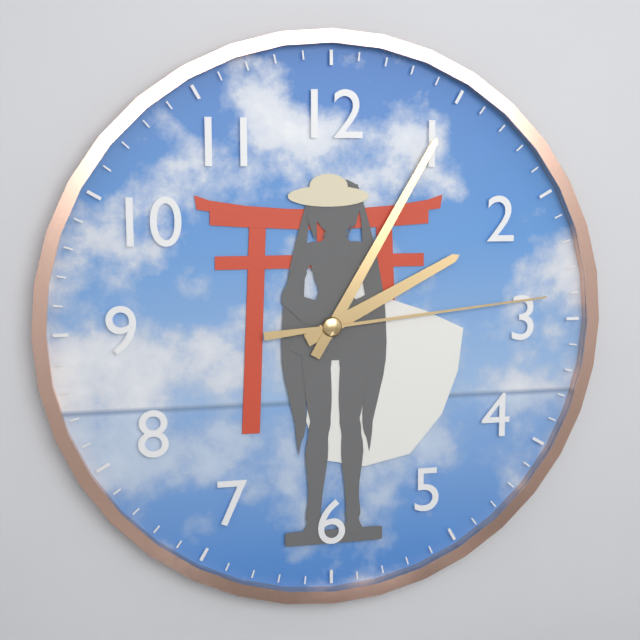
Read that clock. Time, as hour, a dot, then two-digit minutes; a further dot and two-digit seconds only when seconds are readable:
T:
2.05.14
